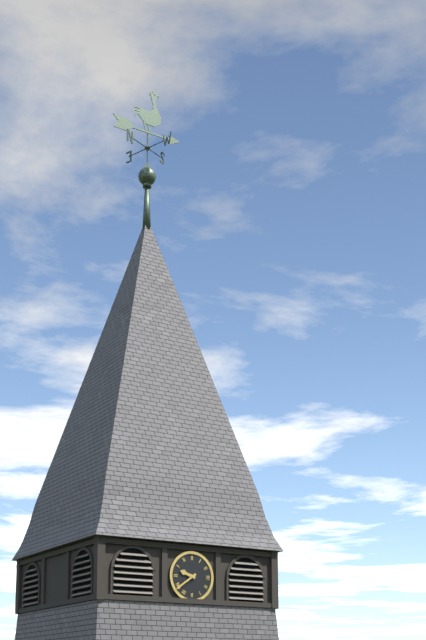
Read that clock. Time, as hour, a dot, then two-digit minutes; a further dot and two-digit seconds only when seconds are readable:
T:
9.39
